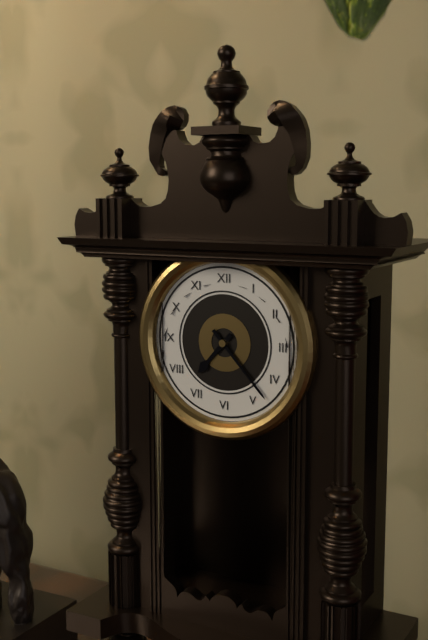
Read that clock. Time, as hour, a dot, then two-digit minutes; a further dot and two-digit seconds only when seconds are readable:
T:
7.23
